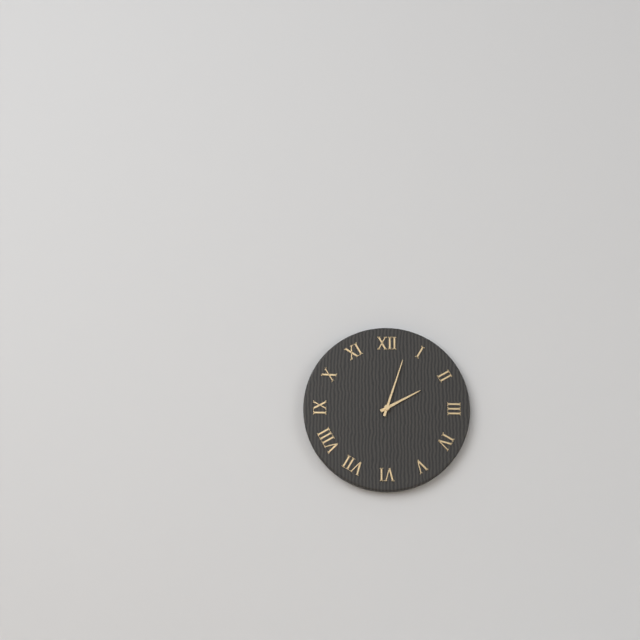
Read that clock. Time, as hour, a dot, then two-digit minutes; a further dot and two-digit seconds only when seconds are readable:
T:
2.03
